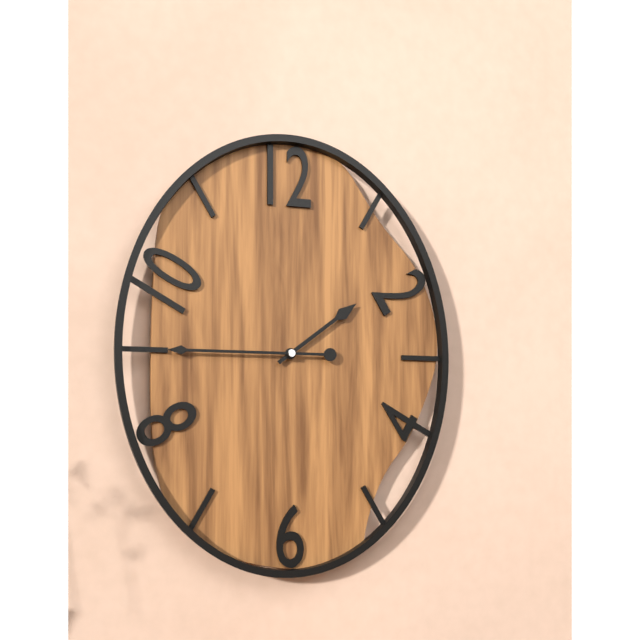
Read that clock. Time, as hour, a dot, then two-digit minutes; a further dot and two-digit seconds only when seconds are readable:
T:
1.45
